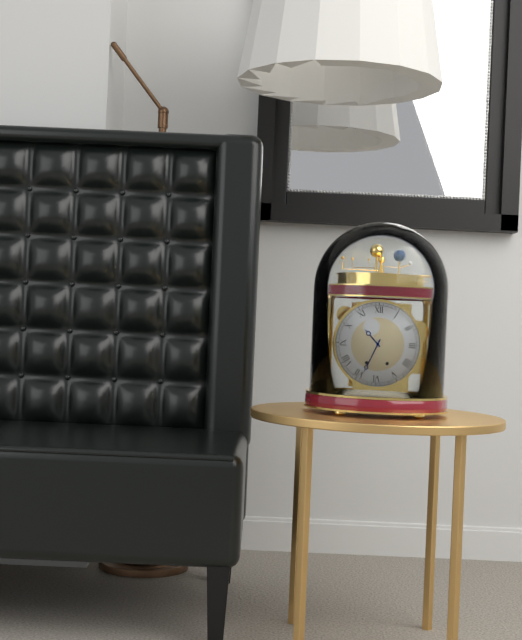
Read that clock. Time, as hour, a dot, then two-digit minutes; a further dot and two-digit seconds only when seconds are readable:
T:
10.34
